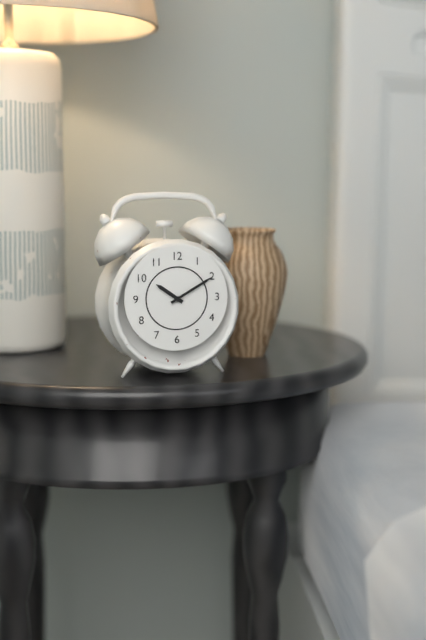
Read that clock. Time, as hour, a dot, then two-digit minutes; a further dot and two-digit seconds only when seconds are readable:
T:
10.10
